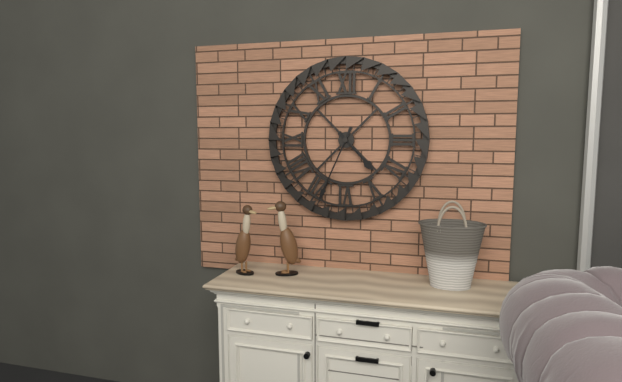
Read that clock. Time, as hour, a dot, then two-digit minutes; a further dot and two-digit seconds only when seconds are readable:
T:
4.34
